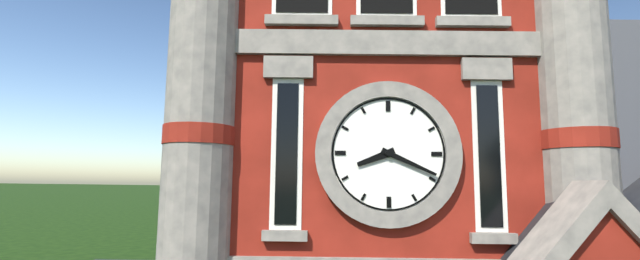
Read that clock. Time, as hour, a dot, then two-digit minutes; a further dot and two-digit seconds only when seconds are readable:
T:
8.19
